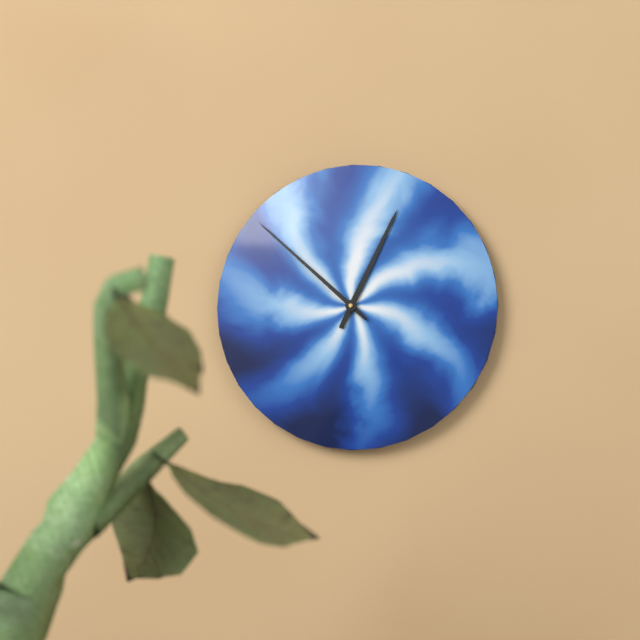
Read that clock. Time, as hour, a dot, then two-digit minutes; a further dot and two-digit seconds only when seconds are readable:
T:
12.52
